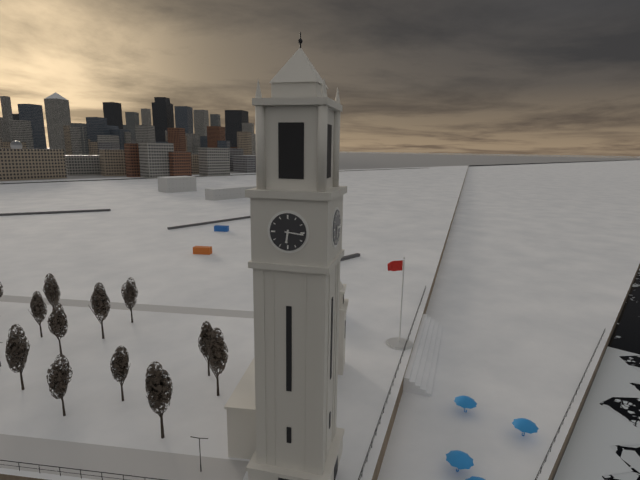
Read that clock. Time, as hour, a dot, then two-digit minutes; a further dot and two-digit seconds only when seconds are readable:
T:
6.16
